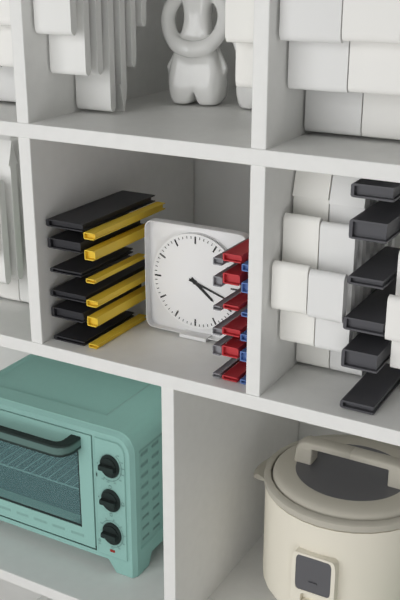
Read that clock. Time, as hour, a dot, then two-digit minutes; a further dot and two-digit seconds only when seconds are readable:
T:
4.18
